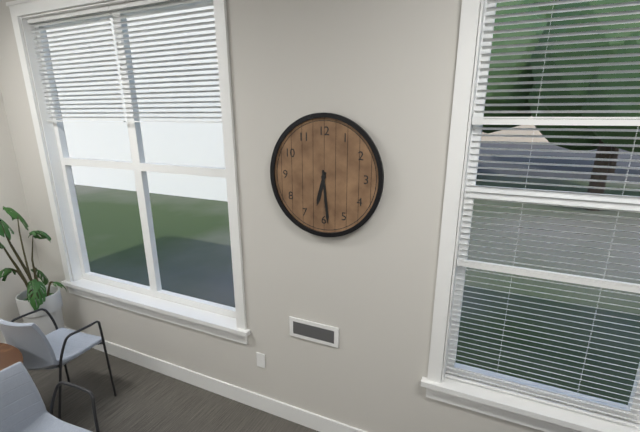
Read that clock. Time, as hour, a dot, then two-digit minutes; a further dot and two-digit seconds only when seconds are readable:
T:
6.29
